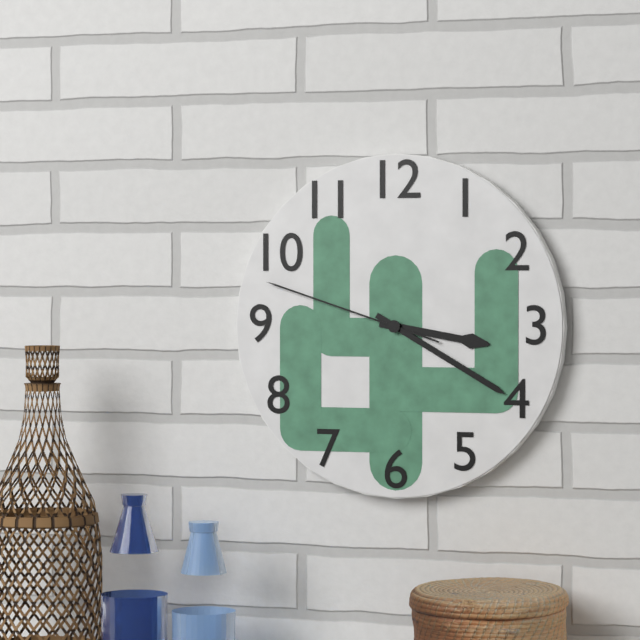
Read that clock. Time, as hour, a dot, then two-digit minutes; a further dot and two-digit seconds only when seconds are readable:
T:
3.20.48
